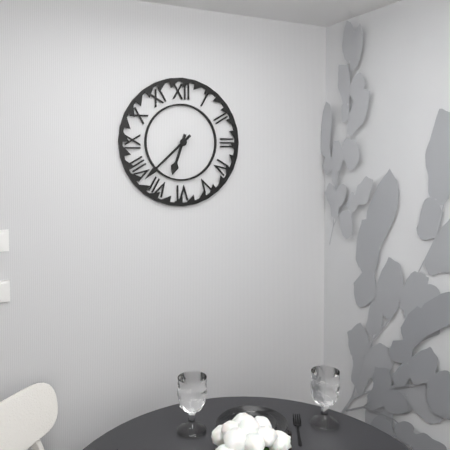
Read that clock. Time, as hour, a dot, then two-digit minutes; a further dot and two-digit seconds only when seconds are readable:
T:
6.38
